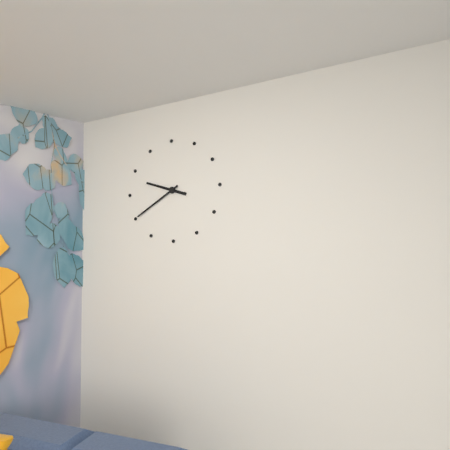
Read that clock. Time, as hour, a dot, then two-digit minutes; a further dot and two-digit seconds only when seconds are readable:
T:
9.40
